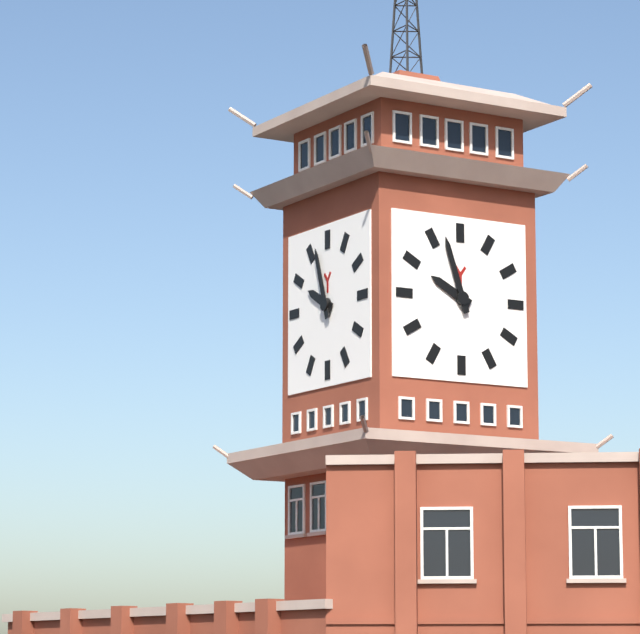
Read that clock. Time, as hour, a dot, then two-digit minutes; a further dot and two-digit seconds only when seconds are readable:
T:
9.57
